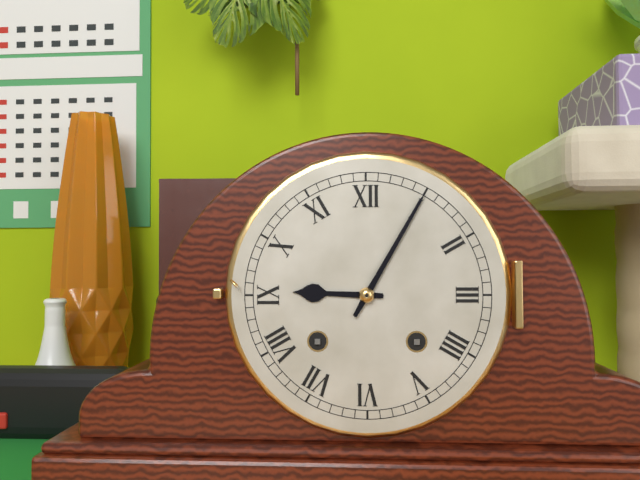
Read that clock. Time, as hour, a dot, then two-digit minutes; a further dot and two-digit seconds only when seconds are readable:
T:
9.05
